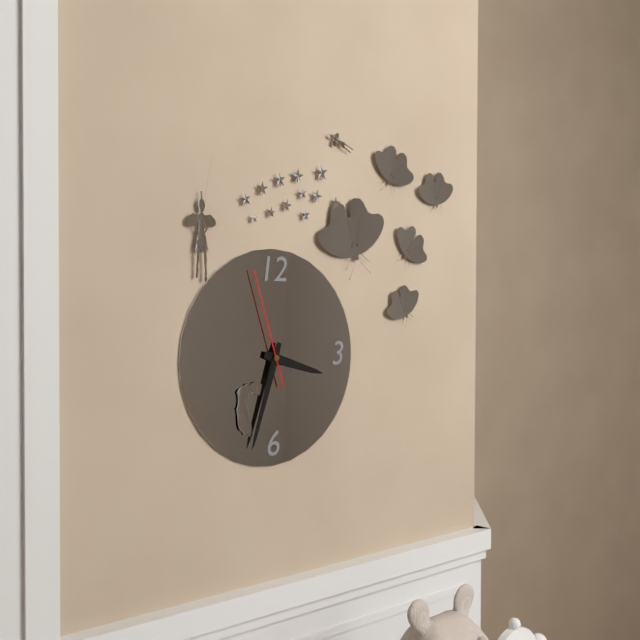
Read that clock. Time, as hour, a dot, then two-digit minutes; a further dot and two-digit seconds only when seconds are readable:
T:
3.33.57
